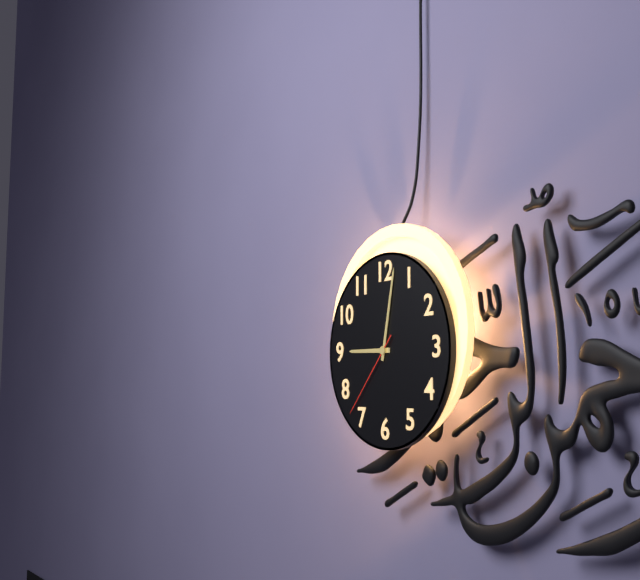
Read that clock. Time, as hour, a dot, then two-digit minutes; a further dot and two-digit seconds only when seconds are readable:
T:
9.02.37
